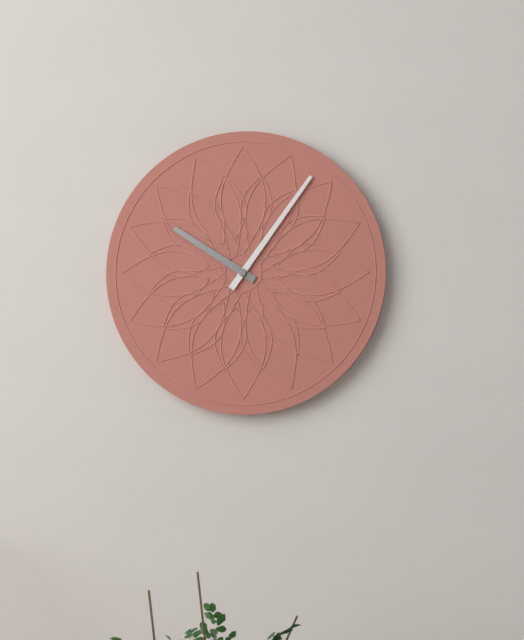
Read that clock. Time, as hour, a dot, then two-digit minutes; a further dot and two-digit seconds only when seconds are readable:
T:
10.06
